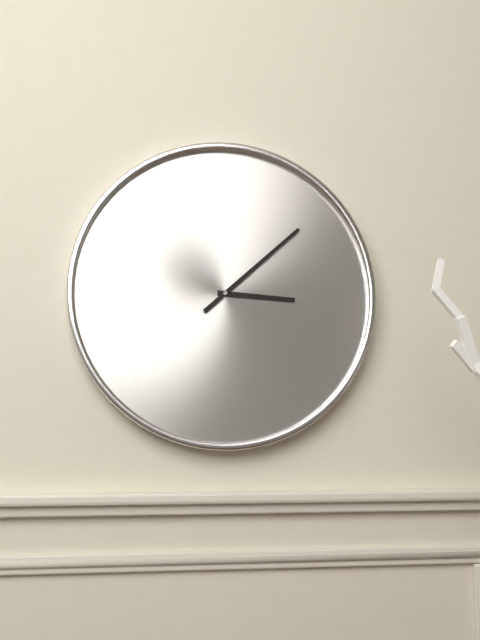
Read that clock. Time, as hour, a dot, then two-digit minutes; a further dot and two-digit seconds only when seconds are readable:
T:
3.08
